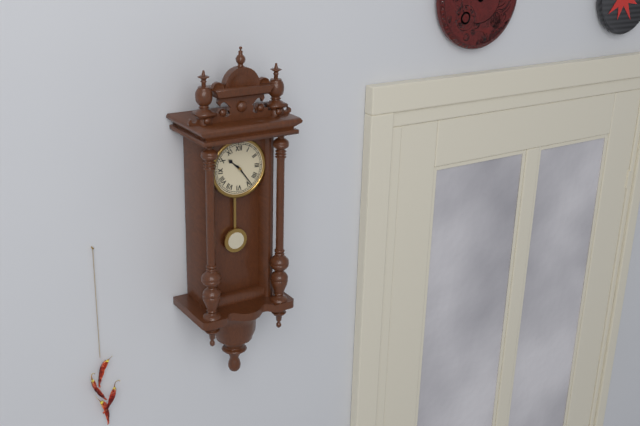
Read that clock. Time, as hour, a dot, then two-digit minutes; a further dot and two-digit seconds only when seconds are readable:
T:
10.24
